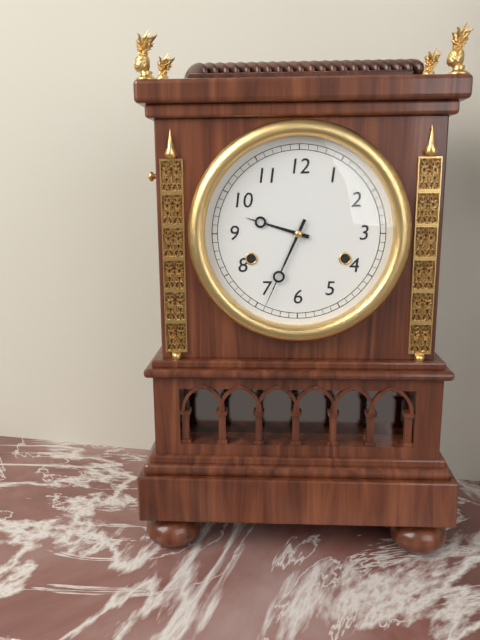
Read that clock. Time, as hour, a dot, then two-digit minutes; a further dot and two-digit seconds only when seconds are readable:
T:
9.34
